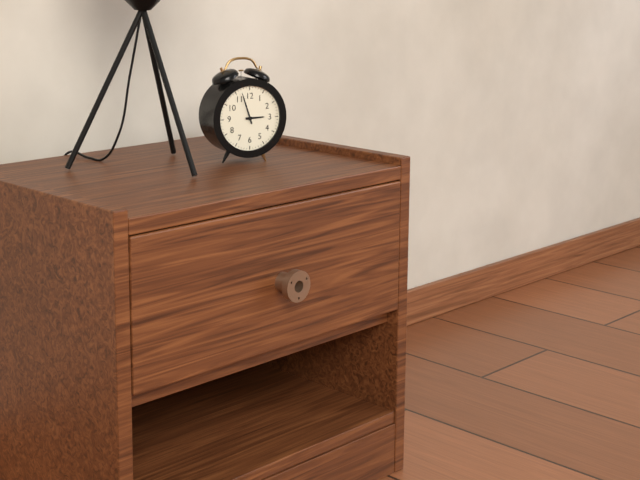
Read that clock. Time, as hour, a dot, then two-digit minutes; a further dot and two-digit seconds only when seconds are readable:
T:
2.57
